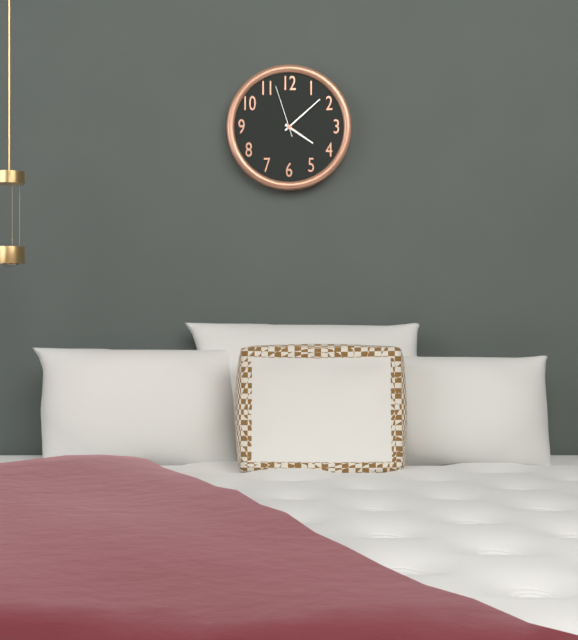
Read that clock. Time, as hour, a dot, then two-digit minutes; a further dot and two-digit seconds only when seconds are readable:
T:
4.08.57
